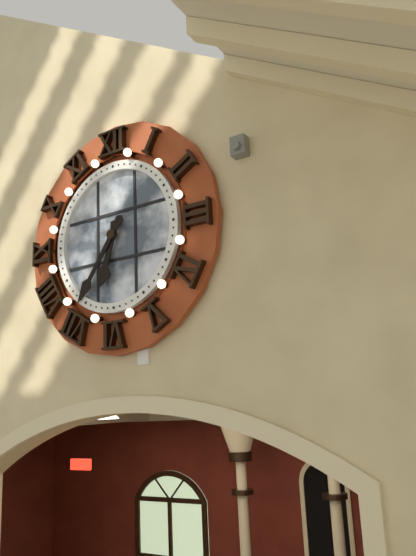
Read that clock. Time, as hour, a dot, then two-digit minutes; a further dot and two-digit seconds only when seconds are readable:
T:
6.36
